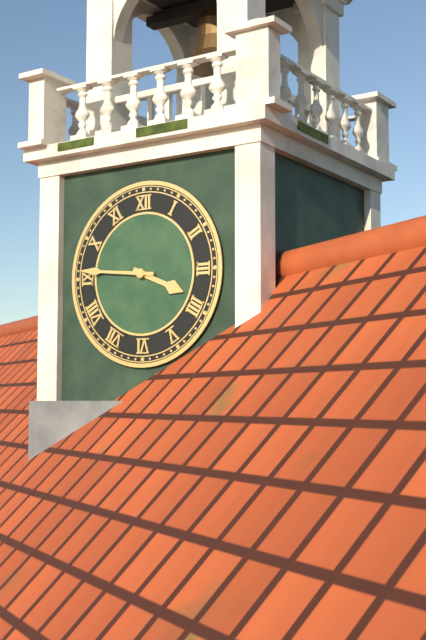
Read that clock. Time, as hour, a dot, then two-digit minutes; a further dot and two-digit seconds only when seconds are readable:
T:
3.46
